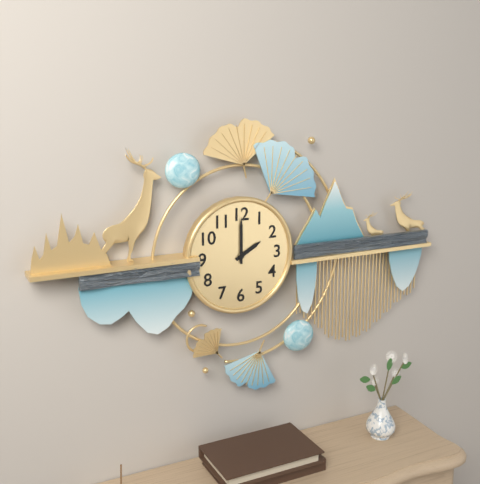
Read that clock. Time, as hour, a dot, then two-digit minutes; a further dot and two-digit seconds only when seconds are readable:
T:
2.00
